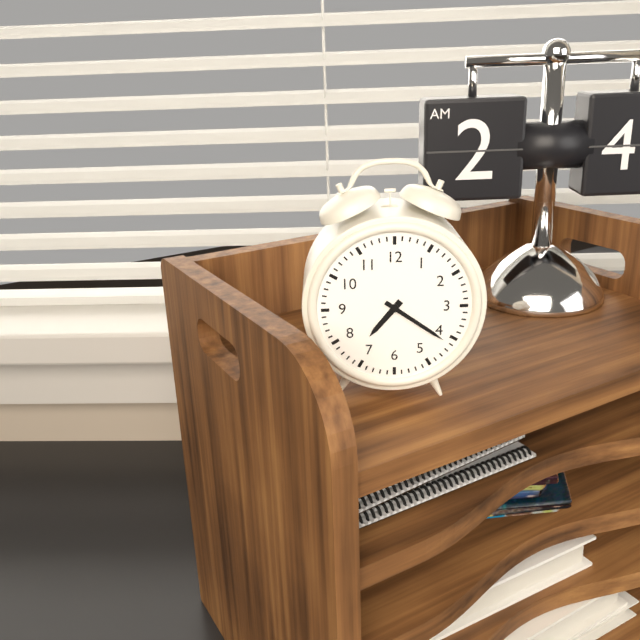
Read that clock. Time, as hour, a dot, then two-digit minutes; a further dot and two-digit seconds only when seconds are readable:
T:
7.21
